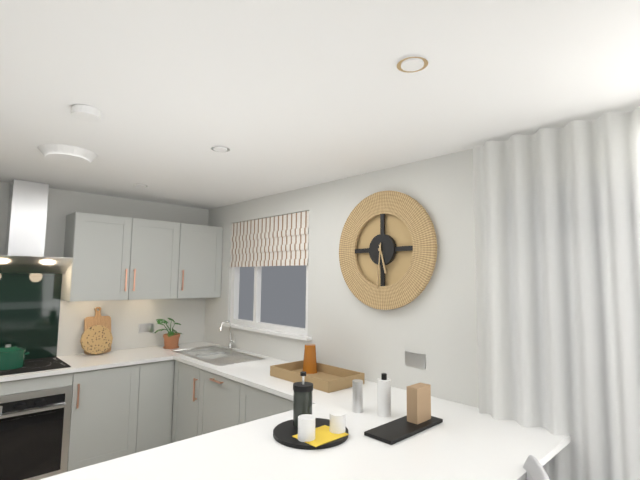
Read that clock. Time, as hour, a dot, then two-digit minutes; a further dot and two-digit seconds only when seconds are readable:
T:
5.31
